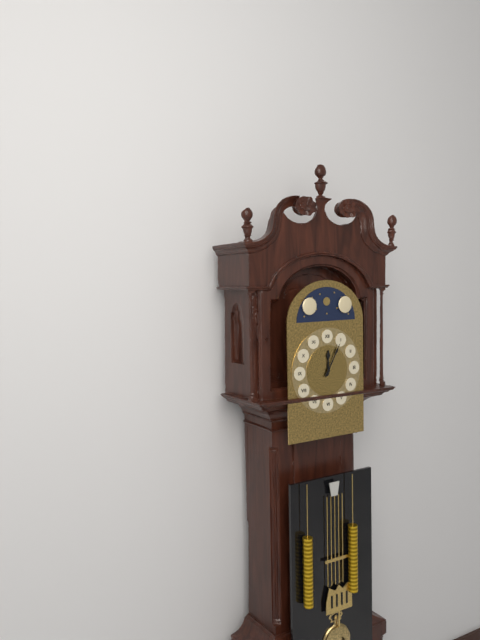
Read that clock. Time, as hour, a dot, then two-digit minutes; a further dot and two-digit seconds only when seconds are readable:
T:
12.05
